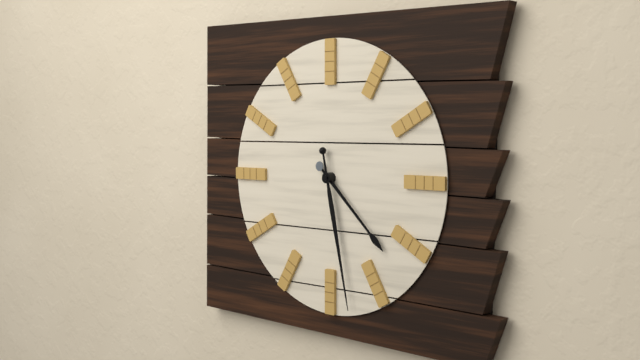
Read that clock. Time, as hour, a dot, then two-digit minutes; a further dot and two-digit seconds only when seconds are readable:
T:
4.28
